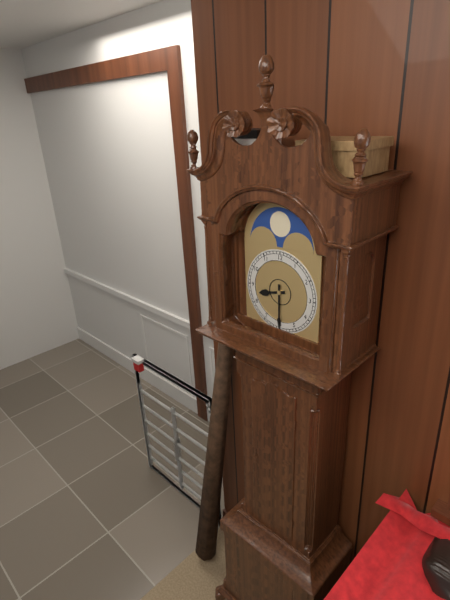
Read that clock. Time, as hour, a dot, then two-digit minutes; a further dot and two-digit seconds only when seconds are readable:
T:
8.30
